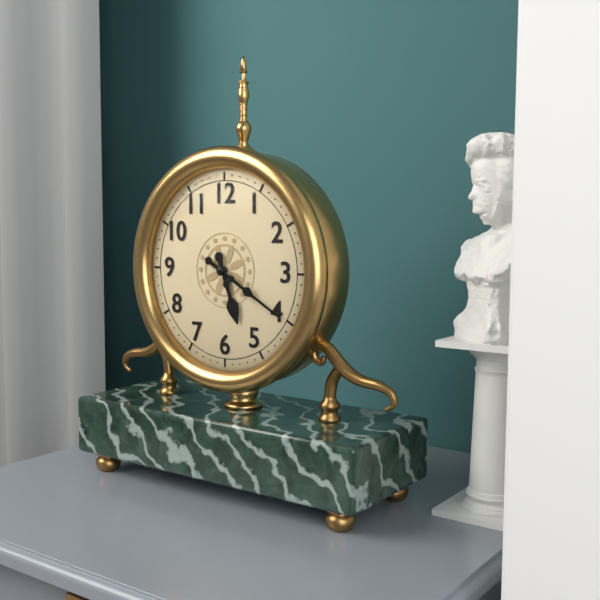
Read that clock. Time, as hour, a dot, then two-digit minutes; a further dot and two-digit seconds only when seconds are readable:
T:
5.20
